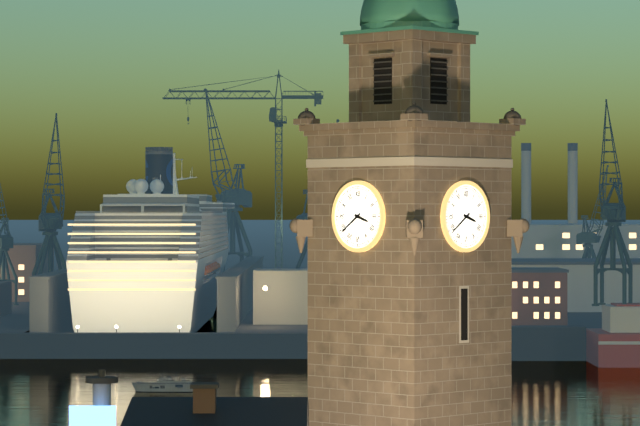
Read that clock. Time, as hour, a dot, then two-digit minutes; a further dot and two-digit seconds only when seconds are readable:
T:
3.39
